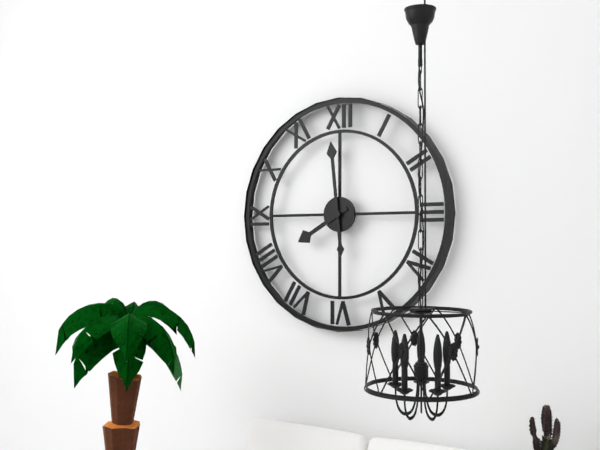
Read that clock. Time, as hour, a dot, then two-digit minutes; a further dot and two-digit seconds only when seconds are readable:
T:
7.59
